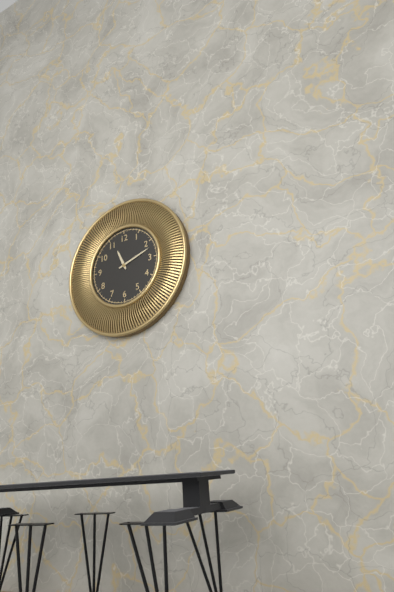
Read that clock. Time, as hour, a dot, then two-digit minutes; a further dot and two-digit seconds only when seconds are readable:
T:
11.12
